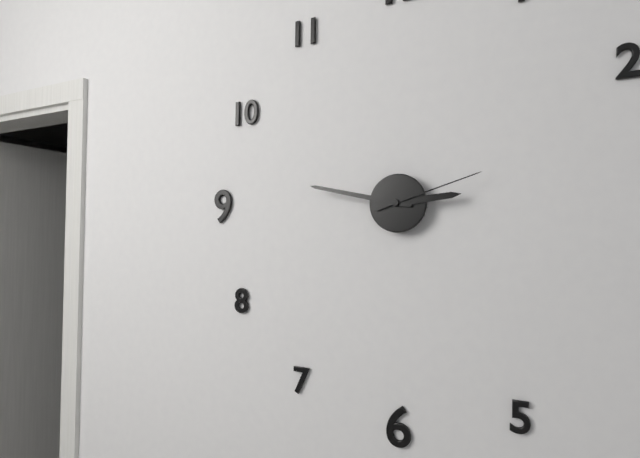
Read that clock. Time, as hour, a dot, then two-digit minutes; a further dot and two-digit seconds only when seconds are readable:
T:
2.47.12
